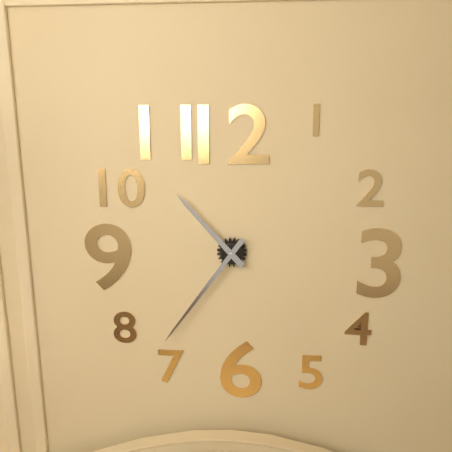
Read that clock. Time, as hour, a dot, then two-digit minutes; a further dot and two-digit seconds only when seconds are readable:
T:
10.36
